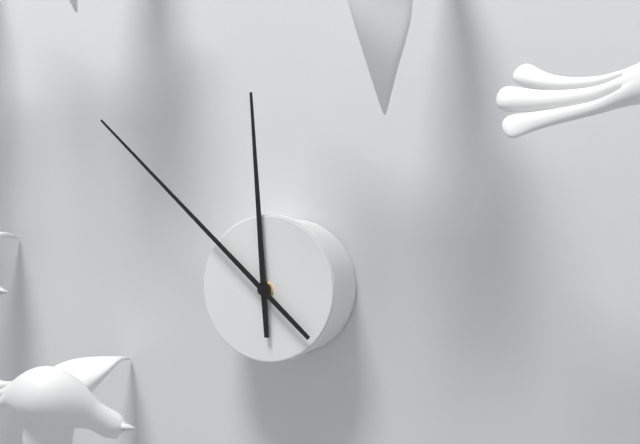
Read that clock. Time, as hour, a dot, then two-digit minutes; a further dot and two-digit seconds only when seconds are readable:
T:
11.52
